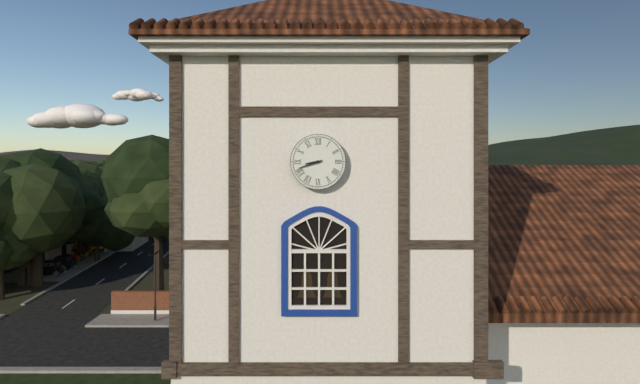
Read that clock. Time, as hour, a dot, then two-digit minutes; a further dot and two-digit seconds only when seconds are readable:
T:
8.42
